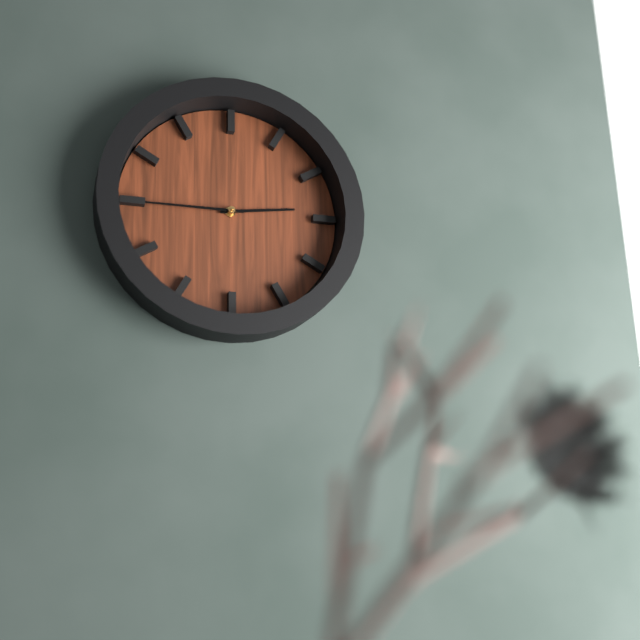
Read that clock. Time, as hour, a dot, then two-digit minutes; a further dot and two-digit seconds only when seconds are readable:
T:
2.45
